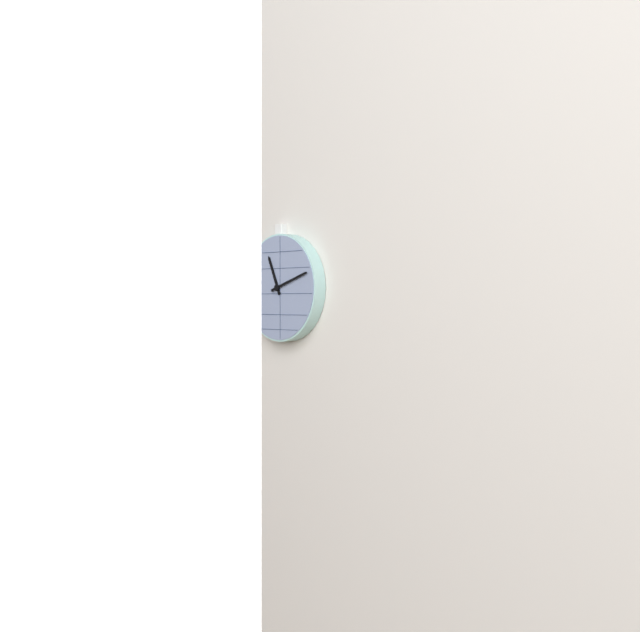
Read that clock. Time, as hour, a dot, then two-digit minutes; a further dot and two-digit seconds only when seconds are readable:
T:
11.12
